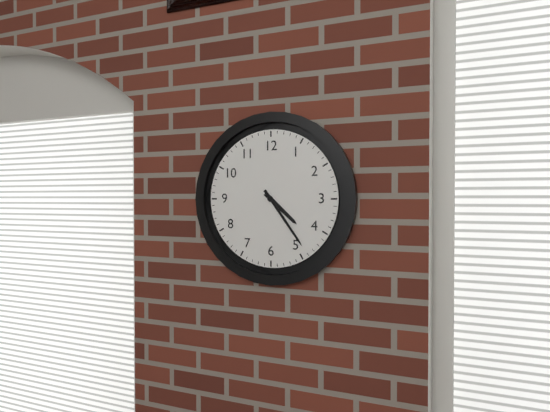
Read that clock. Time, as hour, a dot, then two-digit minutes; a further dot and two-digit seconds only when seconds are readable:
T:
4.24
